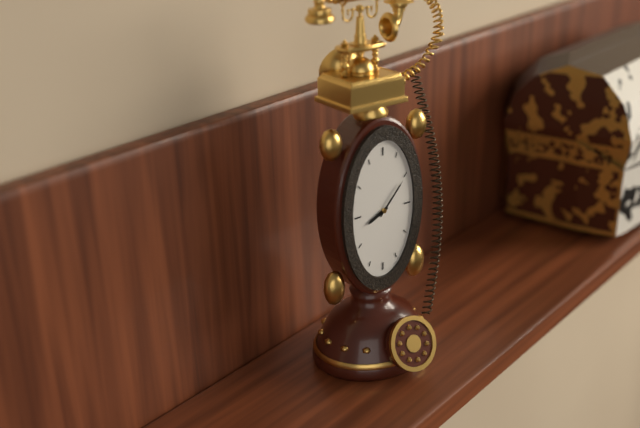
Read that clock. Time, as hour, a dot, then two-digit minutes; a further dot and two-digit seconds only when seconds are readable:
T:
8.07
